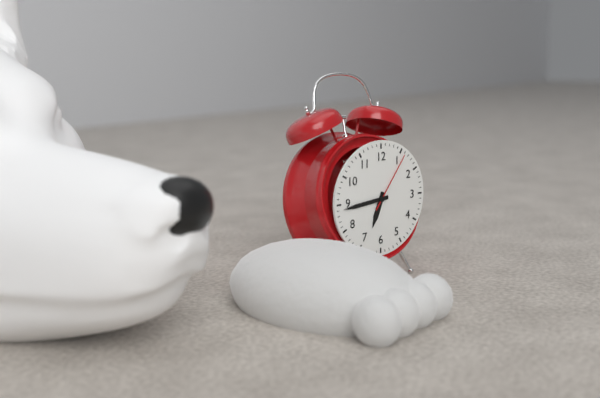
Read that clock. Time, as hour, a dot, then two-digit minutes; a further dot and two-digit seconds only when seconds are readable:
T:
6.44.06
